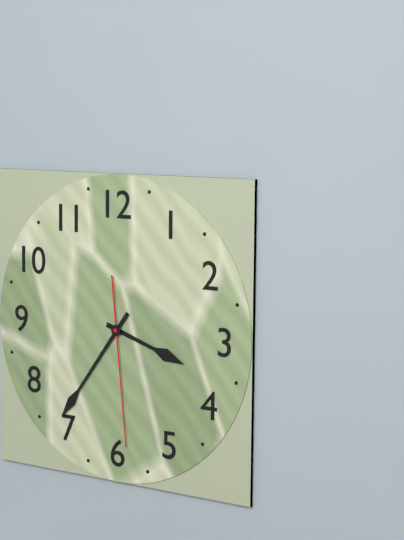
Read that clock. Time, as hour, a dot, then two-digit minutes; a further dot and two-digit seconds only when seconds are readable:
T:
3.36.29
